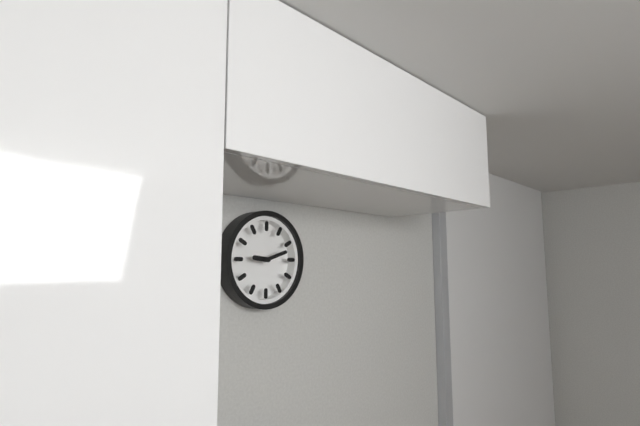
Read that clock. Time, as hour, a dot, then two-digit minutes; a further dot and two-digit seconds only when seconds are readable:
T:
9.12
